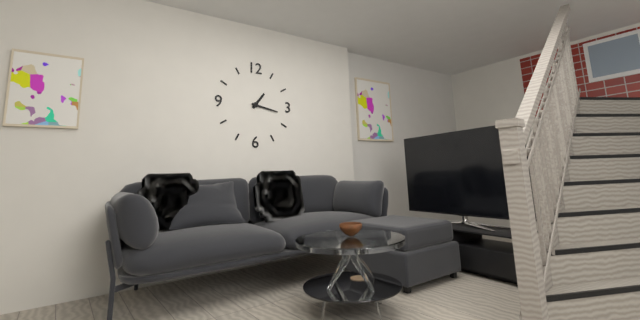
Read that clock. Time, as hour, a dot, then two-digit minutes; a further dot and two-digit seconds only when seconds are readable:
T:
1.17
